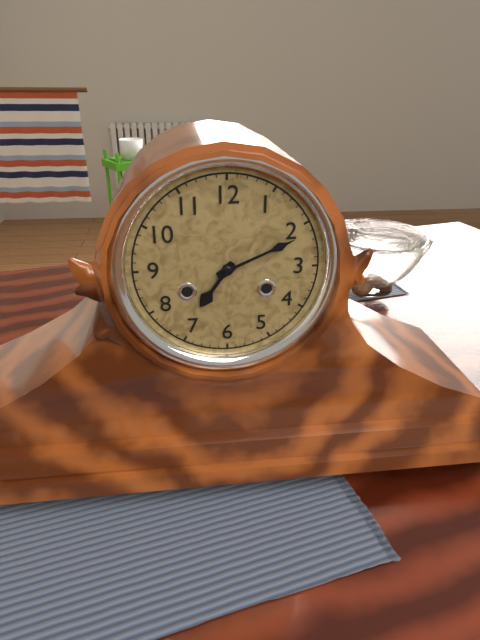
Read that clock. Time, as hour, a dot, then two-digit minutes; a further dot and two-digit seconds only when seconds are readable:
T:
7.11
